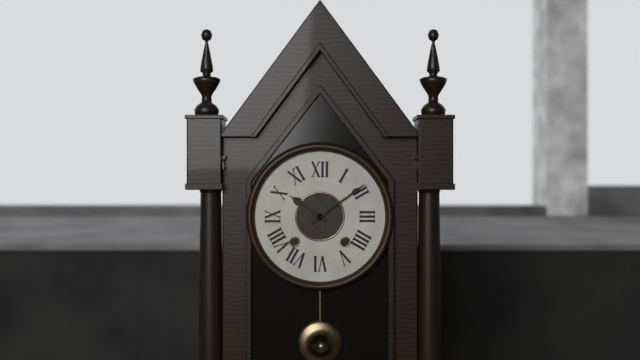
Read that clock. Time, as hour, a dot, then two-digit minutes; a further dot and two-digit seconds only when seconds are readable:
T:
10.09
